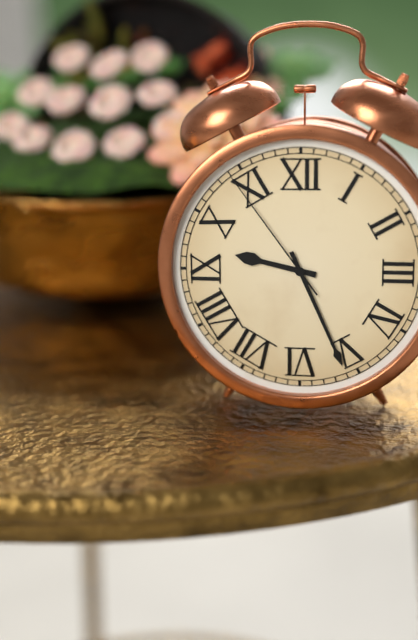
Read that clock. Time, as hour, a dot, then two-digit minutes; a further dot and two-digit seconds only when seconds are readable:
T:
9.26.54
